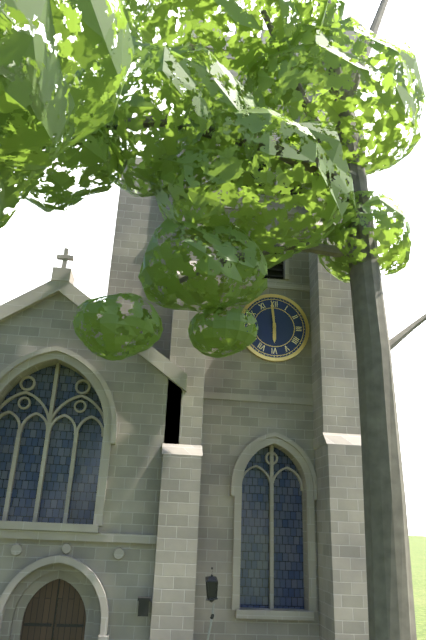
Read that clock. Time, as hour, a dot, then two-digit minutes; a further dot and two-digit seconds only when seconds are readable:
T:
5.59
